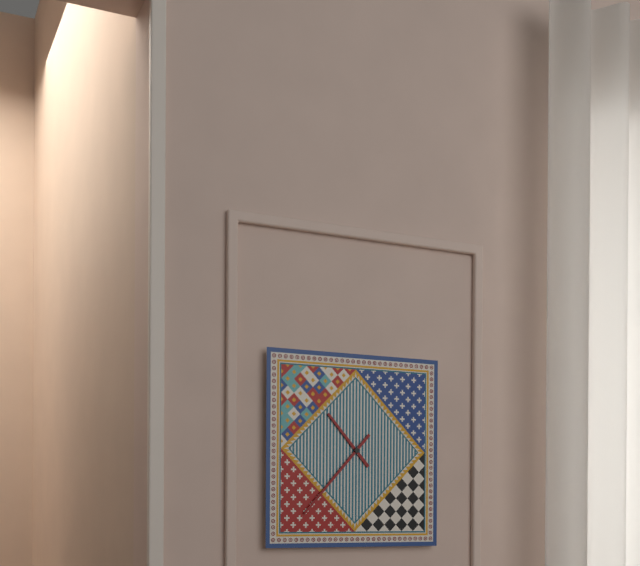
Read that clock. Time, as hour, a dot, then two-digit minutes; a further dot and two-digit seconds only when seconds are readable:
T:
10.37
